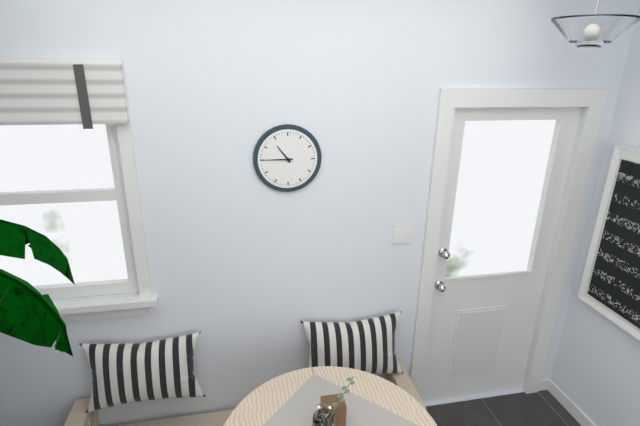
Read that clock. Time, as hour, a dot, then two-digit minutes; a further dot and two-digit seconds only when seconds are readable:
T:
10.45
